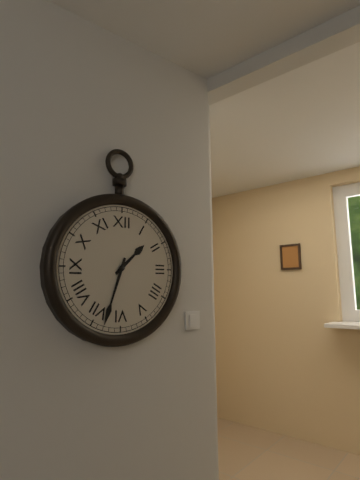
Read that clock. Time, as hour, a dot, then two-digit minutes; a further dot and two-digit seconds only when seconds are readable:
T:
1.33
